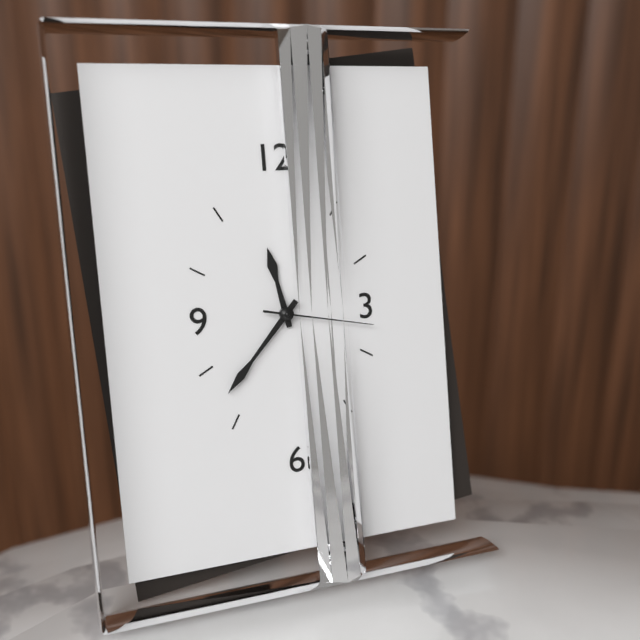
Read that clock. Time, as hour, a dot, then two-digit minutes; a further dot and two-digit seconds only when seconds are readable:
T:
11.37.17
